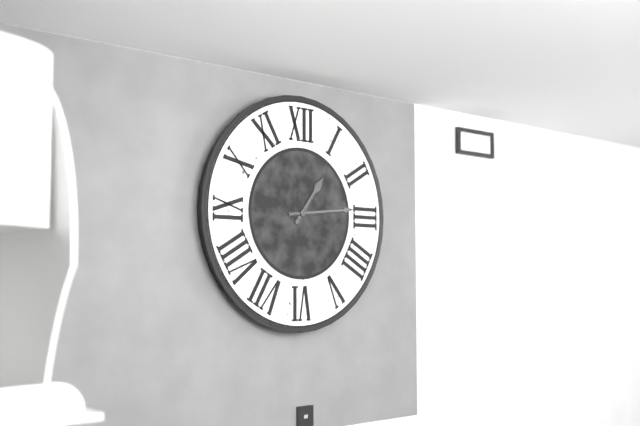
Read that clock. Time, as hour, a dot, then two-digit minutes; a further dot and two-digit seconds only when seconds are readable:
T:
1.14
